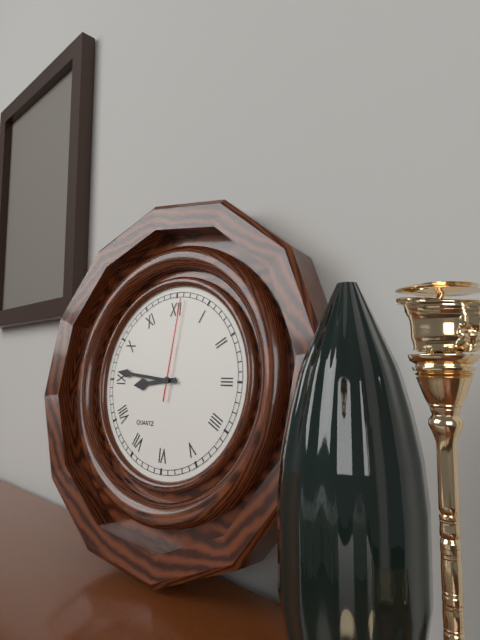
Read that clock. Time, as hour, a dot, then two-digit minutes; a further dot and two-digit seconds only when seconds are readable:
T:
8.46.01
